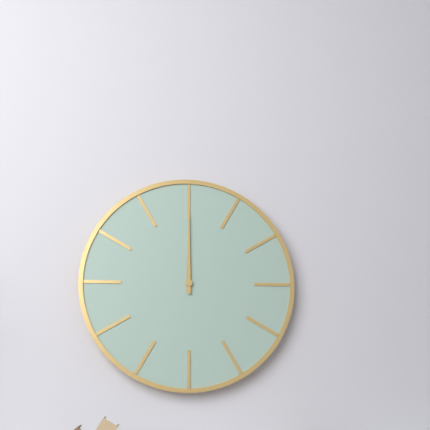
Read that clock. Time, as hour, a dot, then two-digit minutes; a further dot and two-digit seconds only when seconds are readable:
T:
12.00
